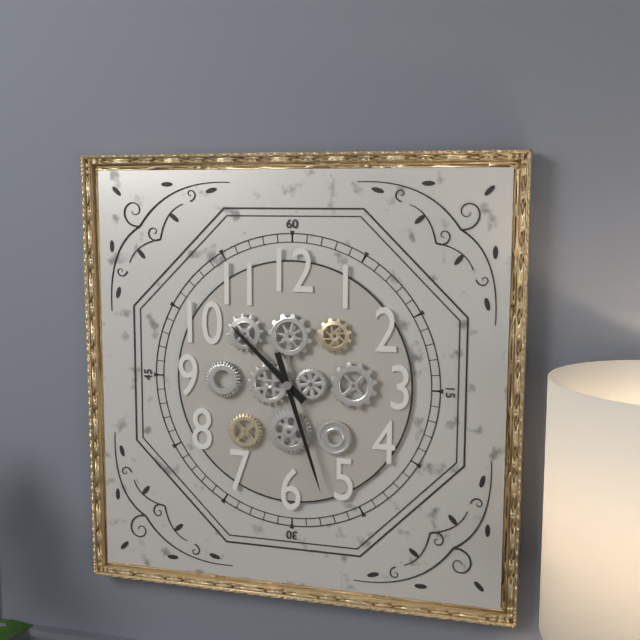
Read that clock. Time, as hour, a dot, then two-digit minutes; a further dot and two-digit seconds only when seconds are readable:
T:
10.27
